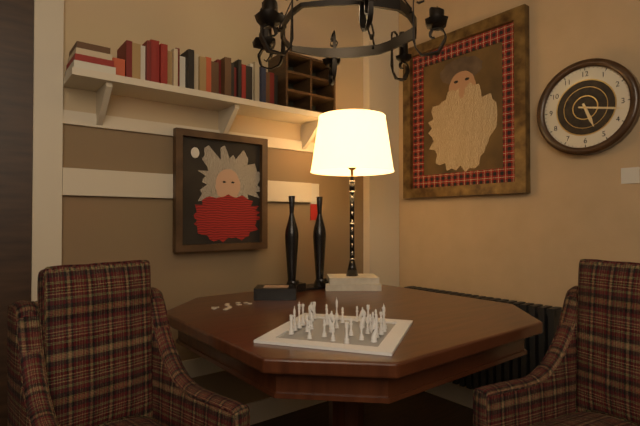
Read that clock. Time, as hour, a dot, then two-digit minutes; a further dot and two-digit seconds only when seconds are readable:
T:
5.17
